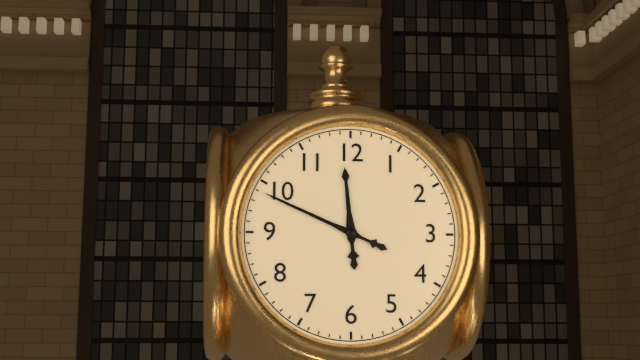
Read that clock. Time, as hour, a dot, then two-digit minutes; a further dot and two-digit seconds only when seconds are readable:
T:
11.49
